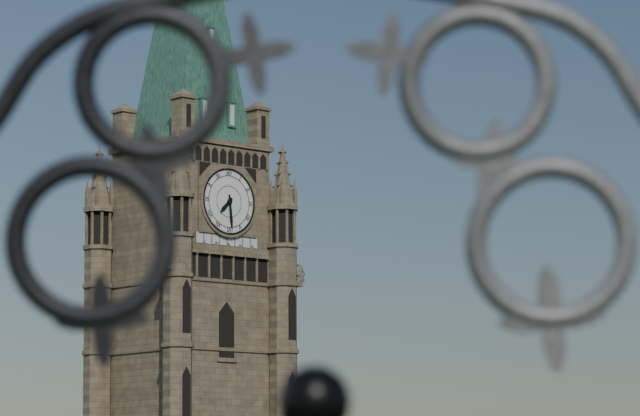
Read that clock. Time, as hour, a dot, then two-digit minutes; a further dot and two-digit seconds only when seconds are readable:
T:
7.29
